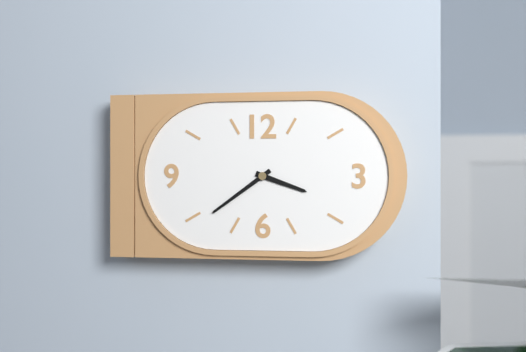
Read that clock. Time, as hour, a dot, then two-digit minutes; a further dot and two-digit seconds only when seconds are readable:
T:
3.39
